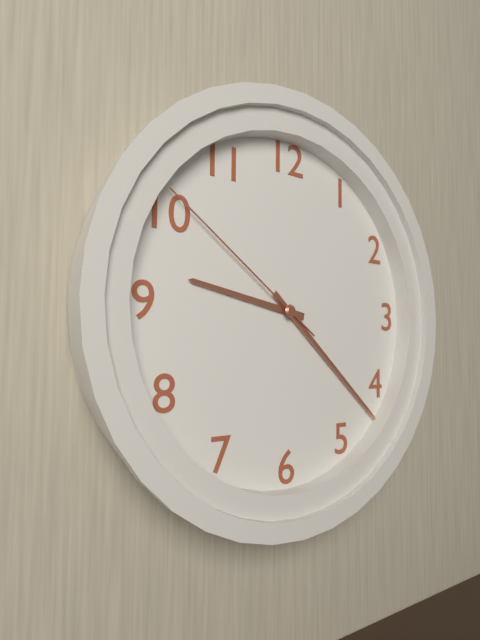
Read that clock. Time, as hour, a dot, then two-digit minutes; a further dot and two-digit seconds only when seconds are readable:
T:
9.22.51
